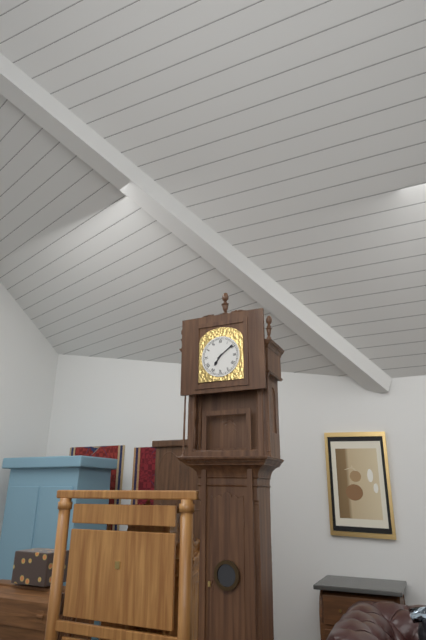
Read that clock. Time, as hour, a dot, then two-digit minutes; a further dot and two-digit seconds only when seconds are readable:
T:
7.09
